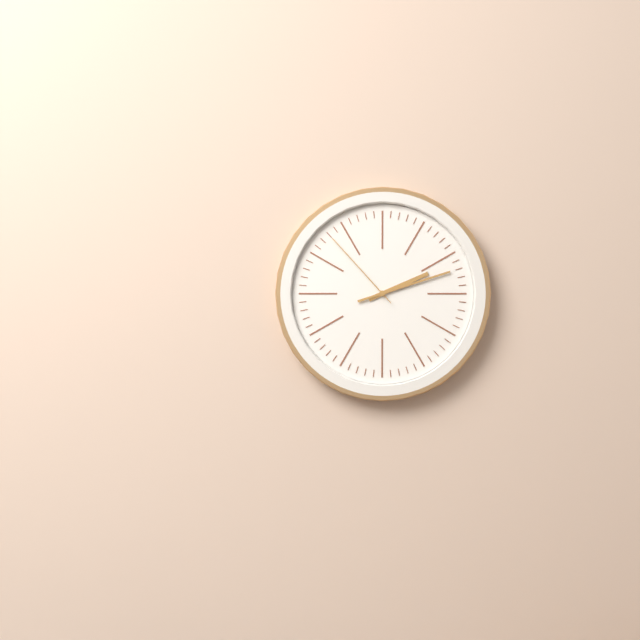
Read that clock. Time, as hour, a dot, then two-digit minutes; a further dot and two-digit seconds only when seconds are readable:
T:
2.12.53
